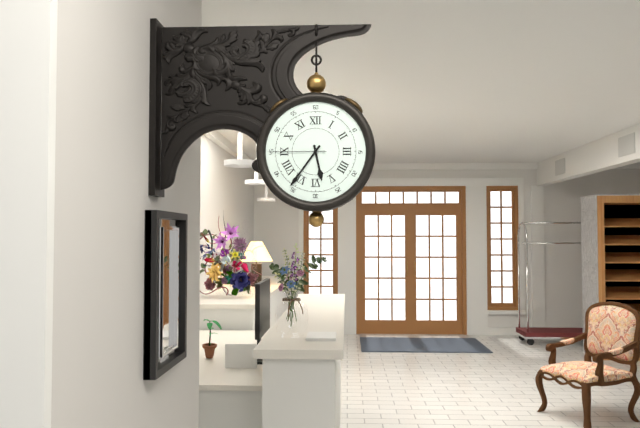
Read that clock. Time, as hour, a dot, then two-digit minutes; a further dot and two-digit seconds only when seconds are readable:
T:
5.36.45
